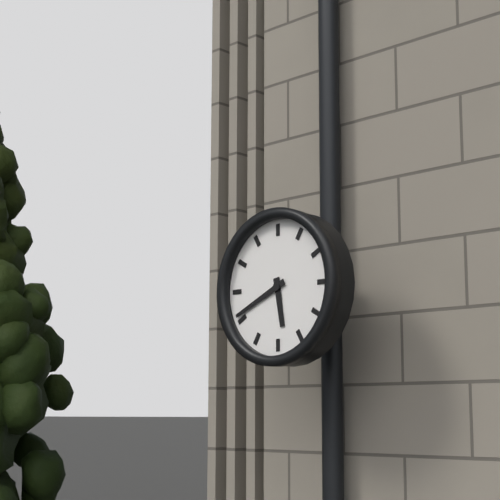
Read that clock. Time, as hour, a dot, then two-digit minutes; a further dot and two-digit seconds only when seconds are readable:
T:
5.41
